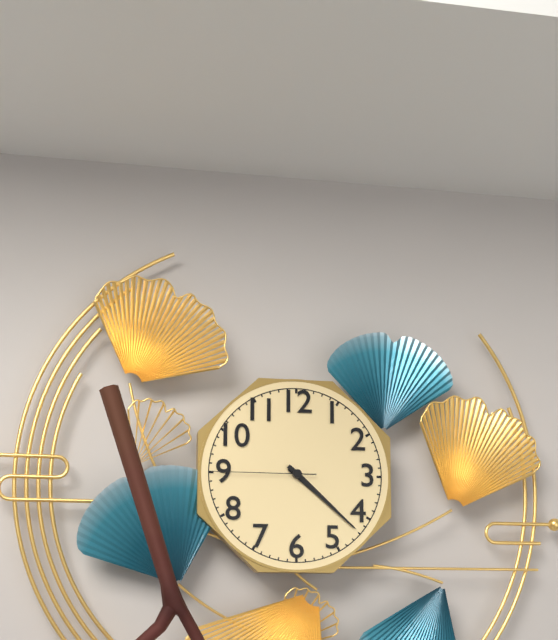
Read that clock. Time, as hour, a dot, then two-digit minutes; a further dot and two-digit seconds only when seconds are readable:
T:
4.22.45
